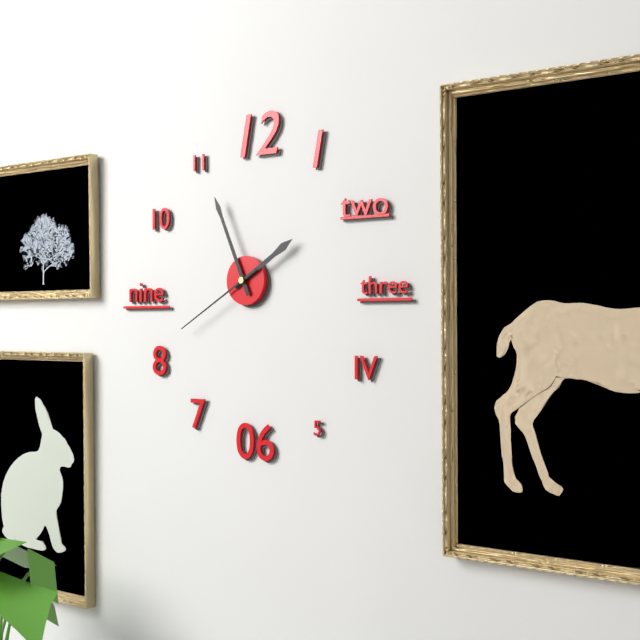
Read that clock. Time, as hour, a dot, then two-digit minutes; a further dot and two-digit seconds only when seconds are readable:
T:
1.56.40
